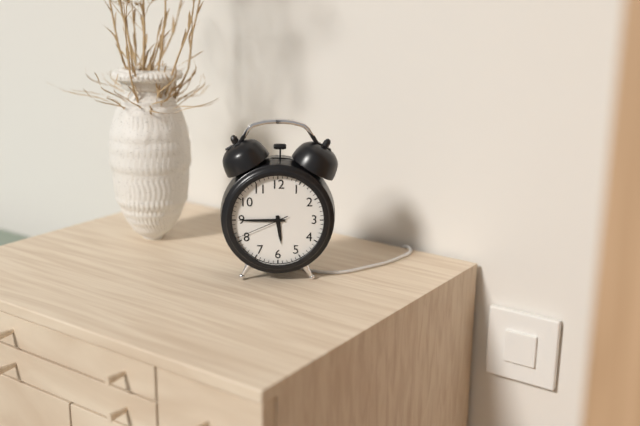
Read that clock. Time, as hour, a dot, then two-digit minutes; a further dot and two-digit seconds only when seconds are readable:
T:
5.45.41
